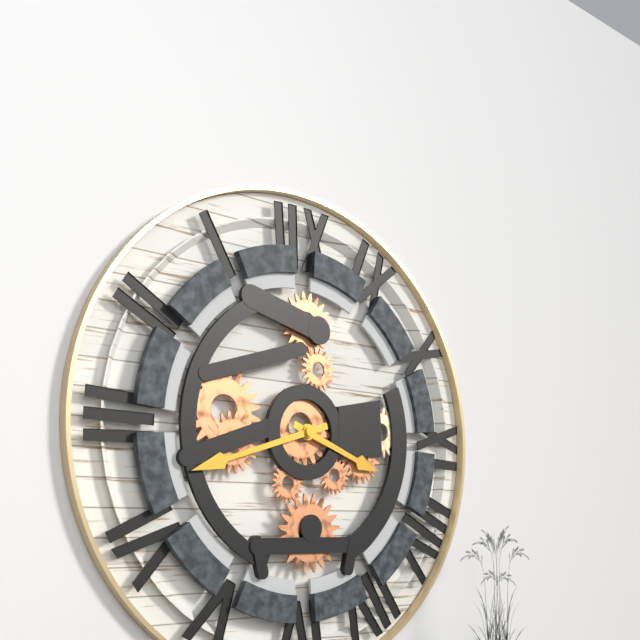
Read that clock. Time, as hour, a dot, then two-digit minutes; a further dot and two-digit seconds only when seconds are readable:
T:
3.42
